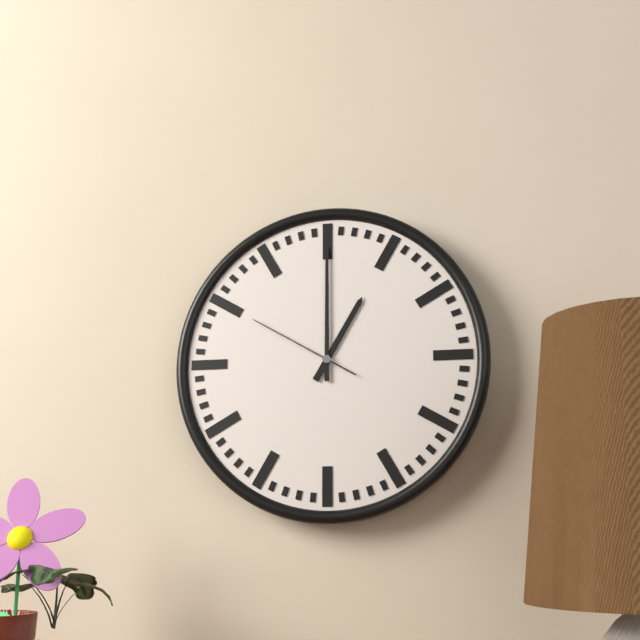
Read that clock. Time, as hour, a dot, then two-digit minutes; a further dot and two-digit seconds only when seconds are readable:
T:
1.00.50
